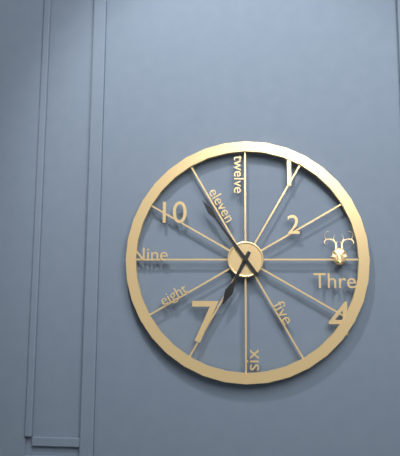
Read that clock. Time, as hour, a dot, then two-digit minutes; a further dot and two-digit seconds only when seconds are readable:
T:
6.54
